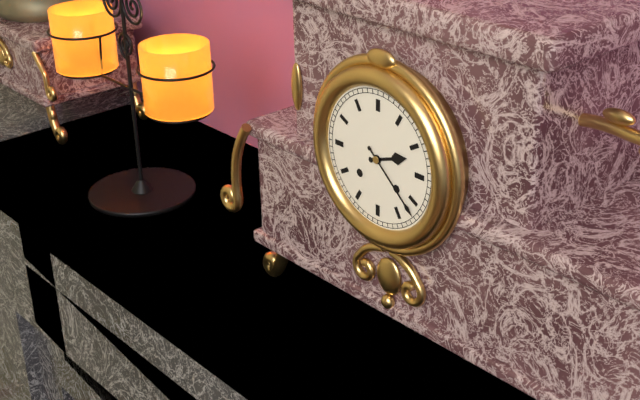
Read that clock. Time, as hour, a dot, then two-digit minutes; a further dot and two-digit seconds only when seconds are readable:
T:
2.22
